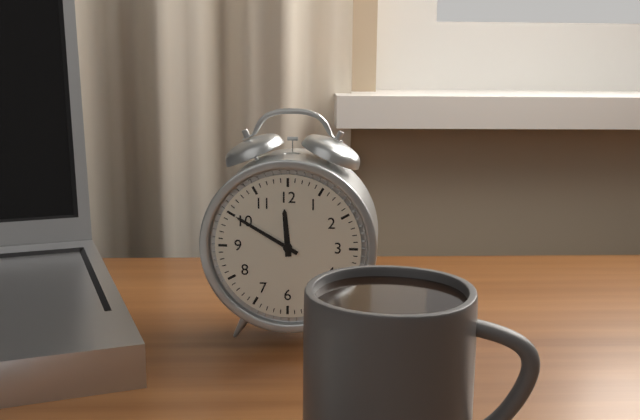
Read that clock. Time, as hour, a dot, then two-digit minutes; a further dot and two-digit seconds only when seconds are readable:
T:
11.50
